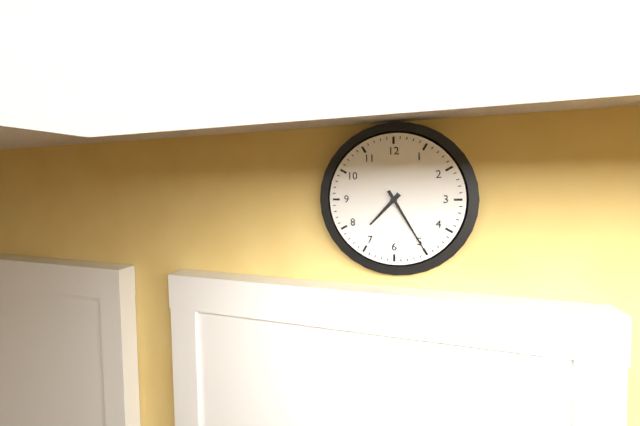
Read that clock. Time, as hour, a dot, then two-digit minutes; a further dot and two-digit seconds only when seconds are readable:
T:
7.25
